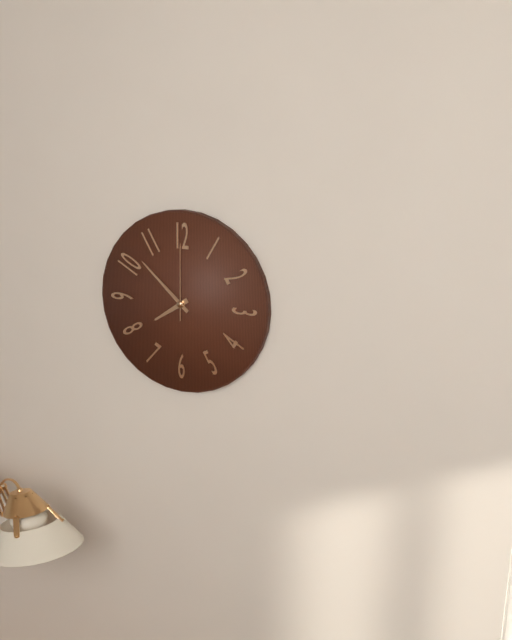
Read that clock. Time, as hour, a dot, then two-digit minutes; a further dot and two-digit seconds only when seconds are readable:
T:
7.52.00
